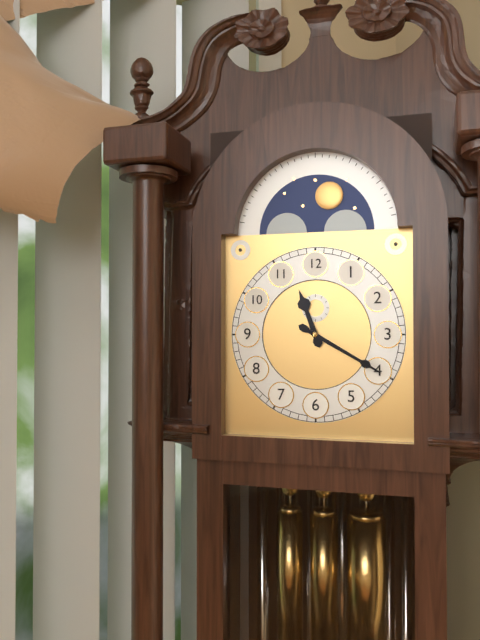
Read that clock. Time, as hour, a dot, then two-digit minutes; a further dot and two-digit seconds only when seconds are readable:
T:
11.20
